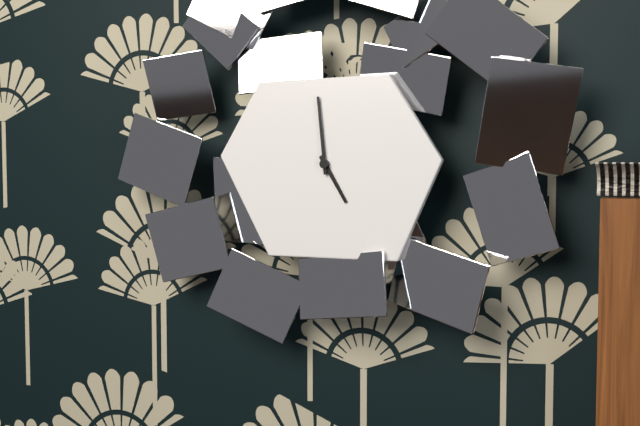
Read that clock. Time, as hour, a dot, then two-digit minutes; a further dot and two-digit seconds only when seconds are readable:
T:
4.59
